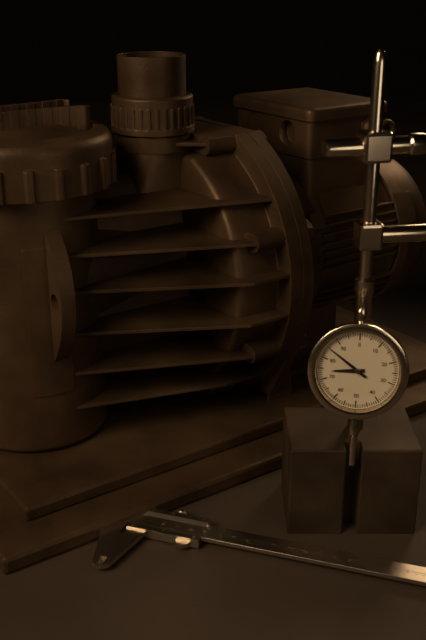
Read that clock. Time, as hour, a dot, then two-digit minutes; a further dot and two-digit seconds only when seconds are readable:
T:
8.51
